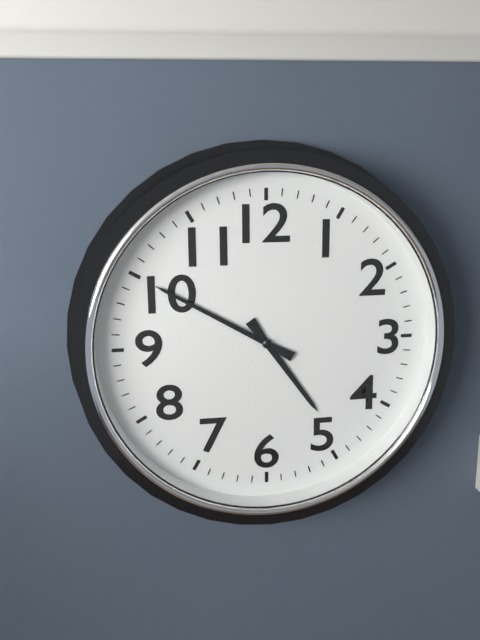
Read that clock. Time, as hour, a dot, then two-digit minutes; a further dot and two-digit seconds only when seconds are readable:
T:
4.50
